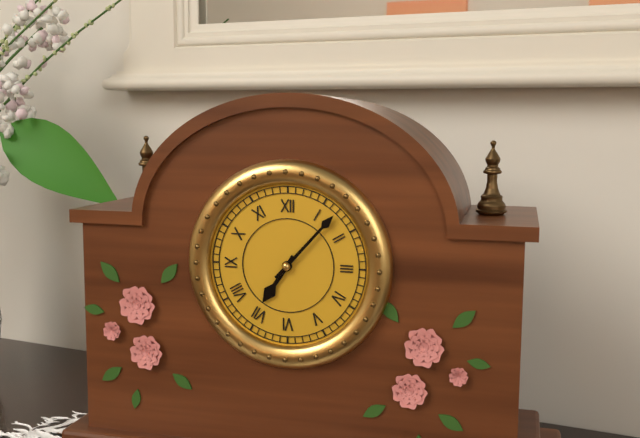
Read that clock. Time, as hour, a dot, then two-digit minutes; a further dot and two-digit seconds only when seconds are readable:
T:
7.07
